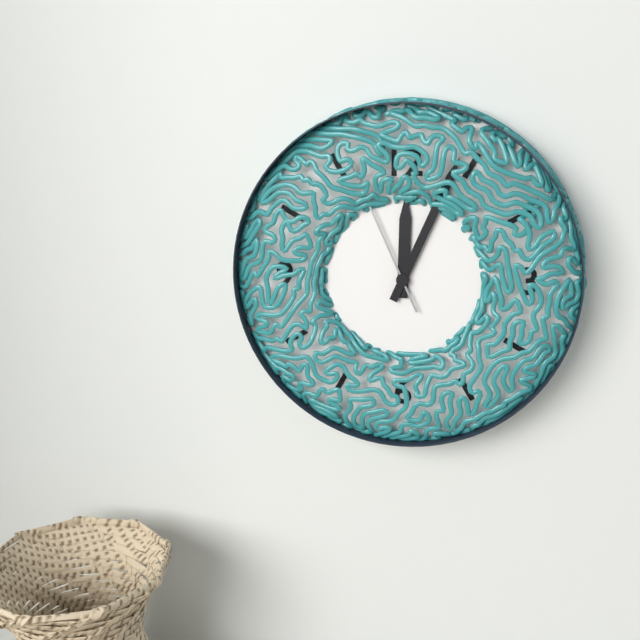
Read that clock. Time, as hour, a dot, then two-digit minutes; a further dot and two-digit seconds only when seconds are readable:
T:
12.04.56
